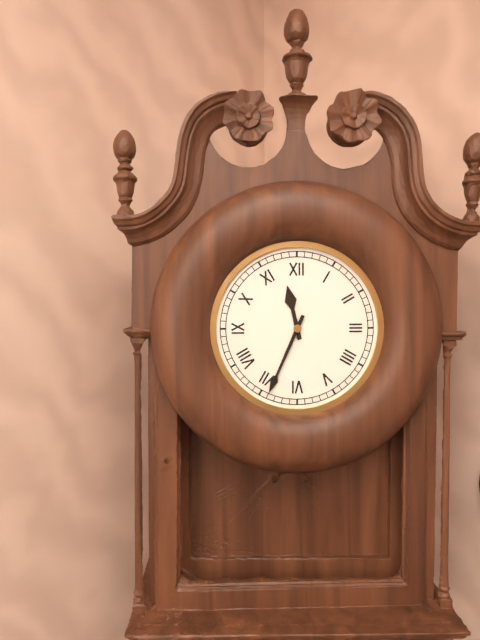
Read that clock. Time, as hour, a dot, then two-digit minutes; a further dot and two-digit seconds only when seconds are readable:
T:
11.34
